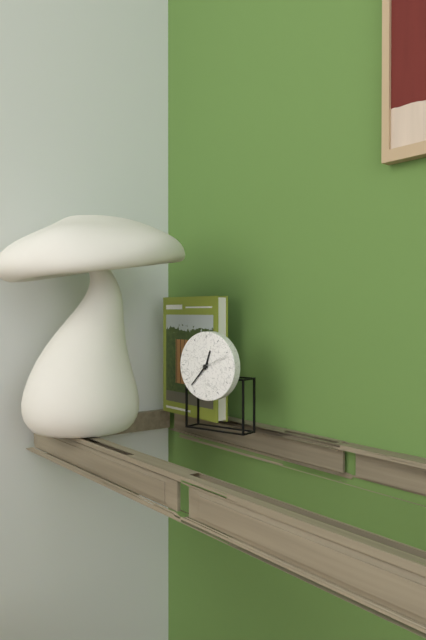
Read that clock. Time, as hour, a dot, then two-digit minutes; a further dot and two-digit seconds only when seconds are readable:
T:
12.37
